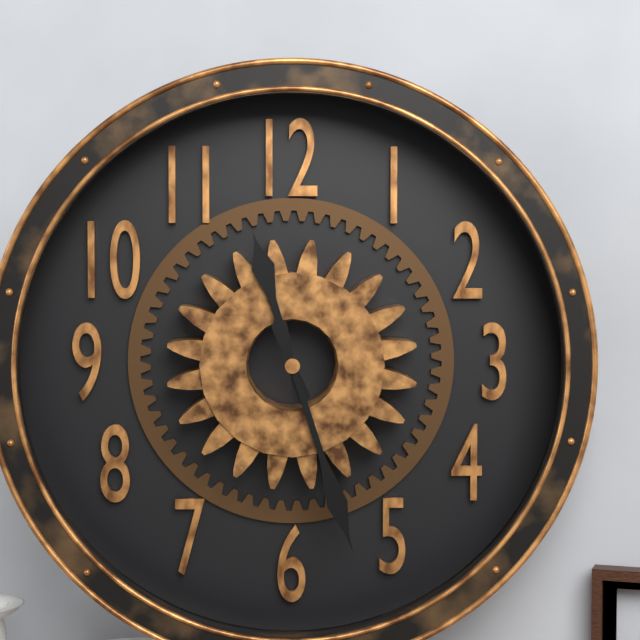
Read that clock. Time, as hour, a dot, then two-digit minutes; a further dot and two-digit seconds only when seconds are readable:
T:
11.27
